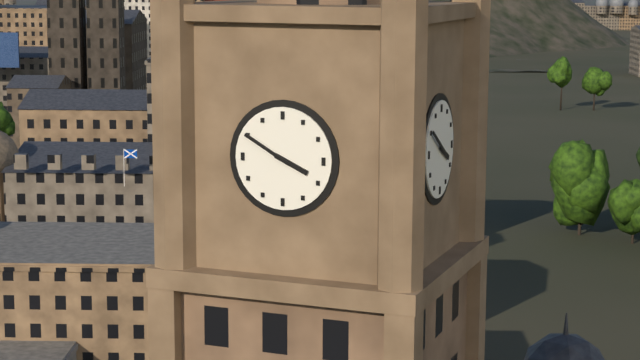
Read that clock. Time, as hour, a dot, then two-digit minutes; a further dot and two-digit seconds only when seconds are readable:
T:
3.50
